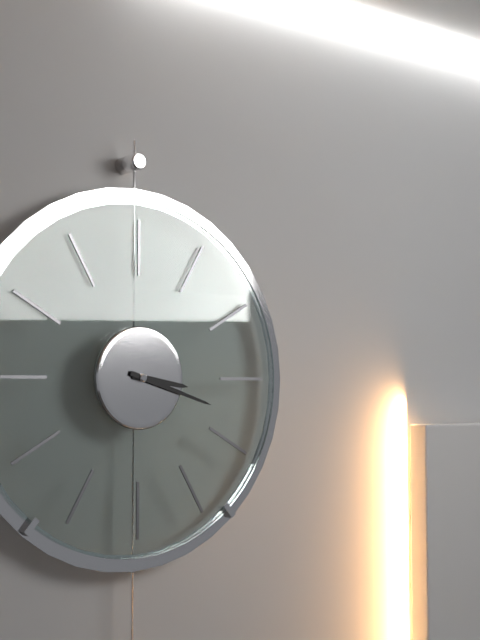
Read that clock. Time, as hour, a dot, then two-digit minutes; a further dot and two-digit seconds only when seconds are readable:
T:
3.18
